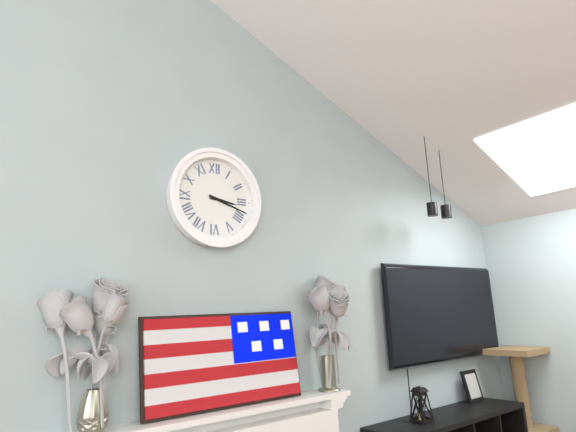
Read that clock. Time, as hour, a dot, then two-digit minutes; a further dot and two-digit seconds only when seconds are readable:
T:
3.18
